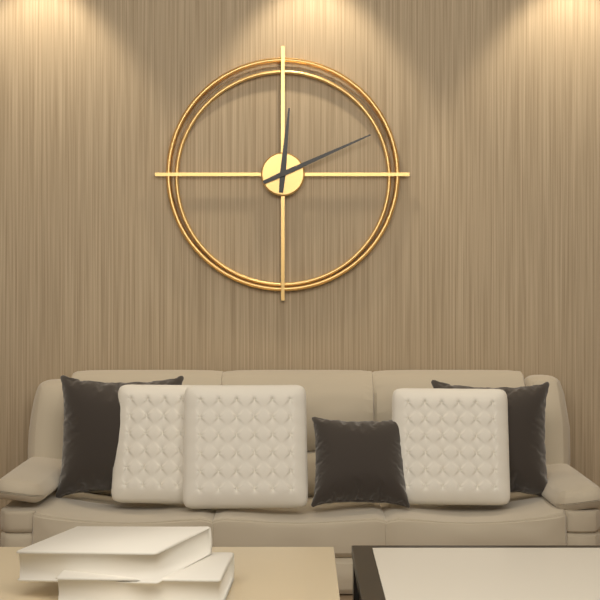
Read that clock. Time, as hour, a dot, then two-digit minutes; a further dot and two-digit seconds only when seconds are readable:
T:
12.11
